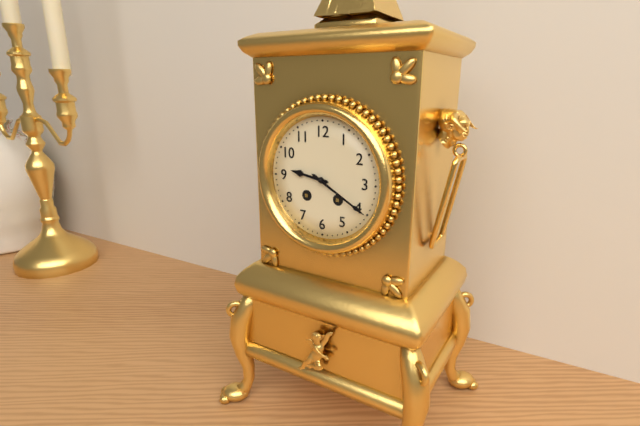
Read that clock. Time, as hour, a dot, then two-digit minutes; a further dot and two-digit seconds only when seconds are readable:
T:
9.20
